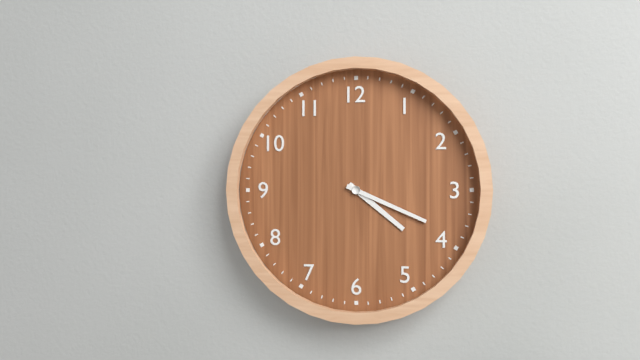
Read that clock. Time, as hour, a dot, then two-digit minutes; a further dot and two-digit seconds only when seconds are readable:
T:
4.19
